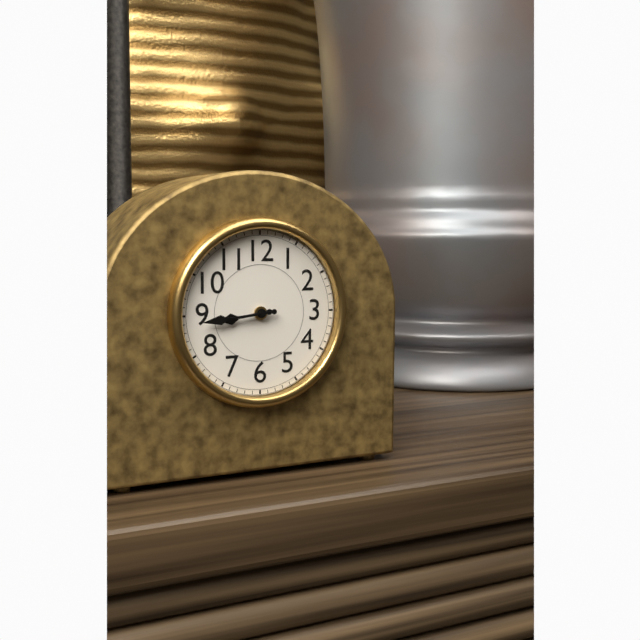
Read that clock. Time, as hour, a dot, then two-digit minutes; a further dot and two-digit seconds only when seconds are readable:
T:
8.44
